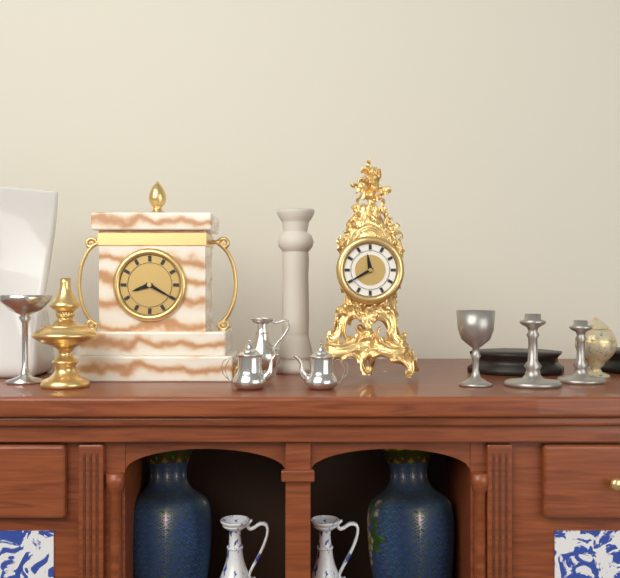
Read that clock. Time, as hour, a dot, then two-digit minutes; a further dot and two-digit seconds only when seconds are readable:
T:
11.40
